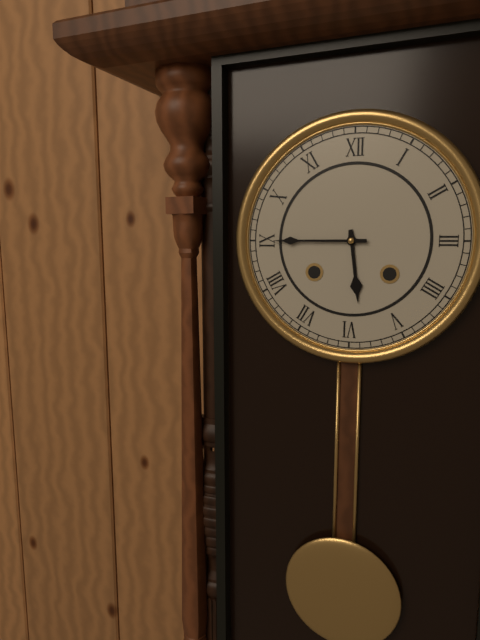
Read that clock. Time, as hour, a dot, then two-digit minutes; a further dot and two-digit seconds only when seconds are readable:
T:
5.45
